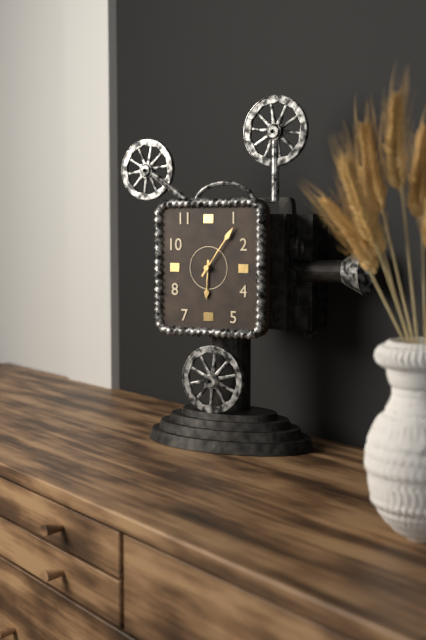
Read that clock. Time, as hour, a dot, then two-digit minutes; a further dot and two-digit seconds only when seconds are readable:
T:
6.06
